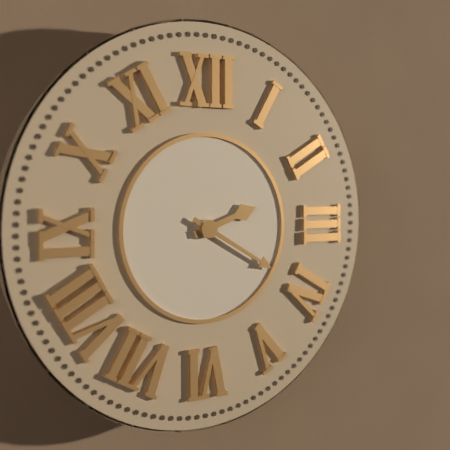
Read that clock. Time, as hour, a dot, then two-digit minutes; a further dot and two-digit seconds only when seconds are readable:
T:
2.20
